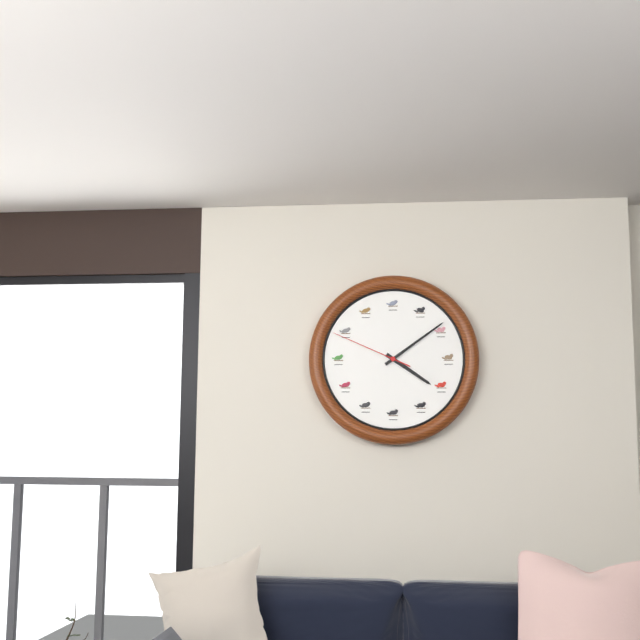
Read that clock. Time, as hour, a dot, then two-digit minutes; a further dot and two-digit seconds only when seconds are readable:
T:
4.09.49
